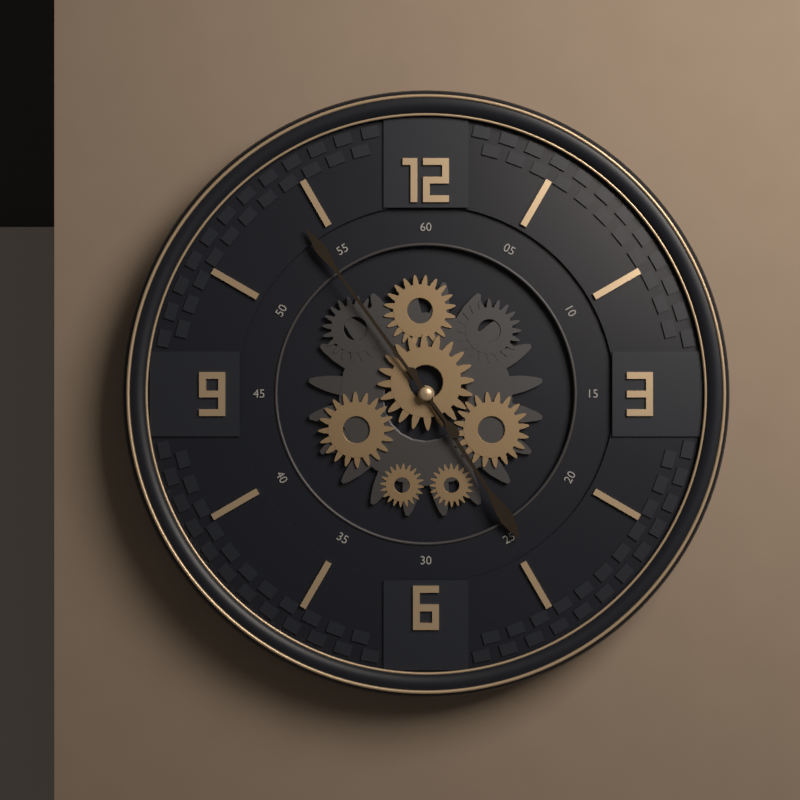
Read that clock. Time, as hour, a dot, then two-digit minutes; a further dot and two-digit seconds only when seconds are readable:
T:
4.54
